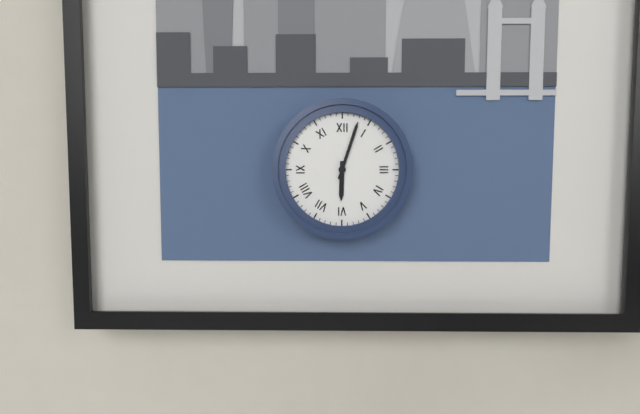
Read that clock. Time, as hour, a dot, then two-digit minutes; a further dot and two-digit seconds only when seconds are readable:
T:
6.03
